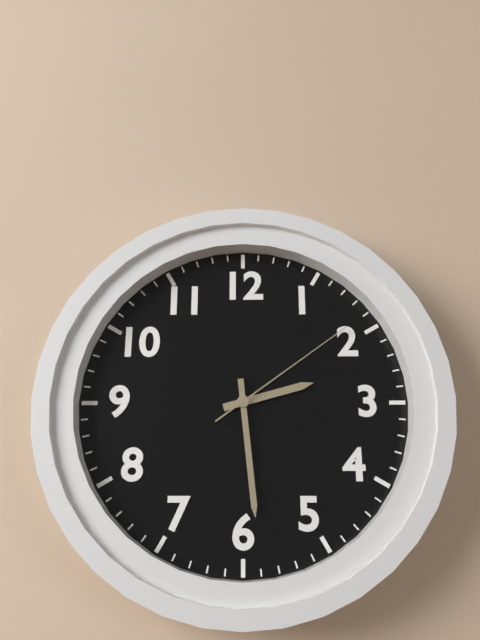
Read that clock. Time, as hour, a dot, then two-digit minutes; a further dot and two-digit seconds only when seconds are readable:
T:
2.29.09
